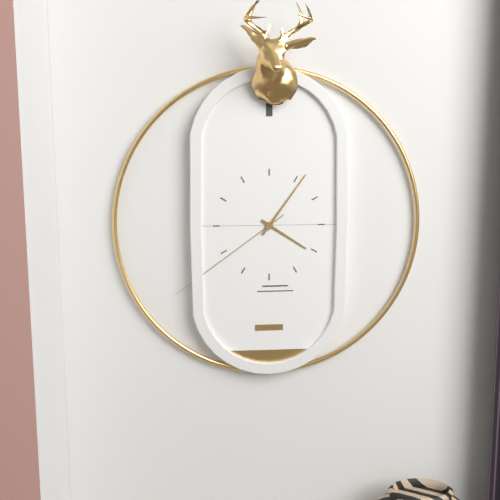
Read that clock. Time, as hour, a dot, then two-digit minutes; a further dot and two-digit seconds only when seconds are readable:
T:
4.06.39
